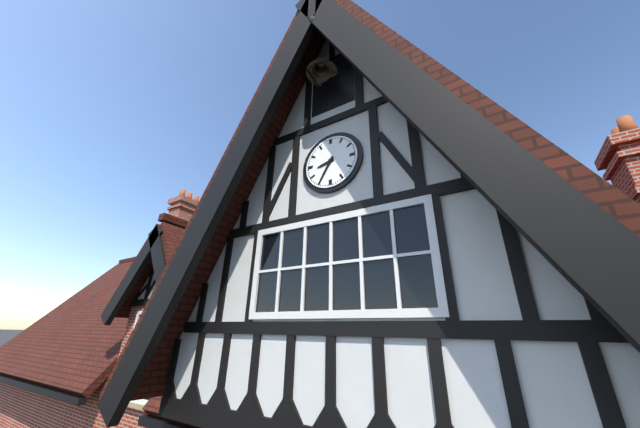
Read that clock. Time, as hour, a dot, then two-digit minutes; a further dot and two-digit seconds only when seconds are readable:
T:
8.35
